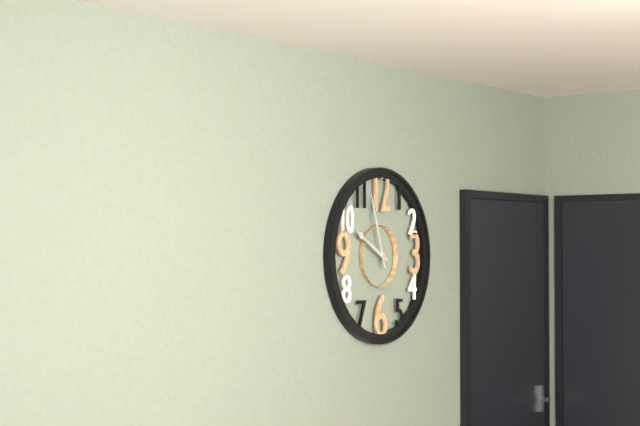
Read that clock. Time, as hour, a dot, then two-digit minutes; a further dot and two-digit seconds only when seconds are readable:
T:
9.57
